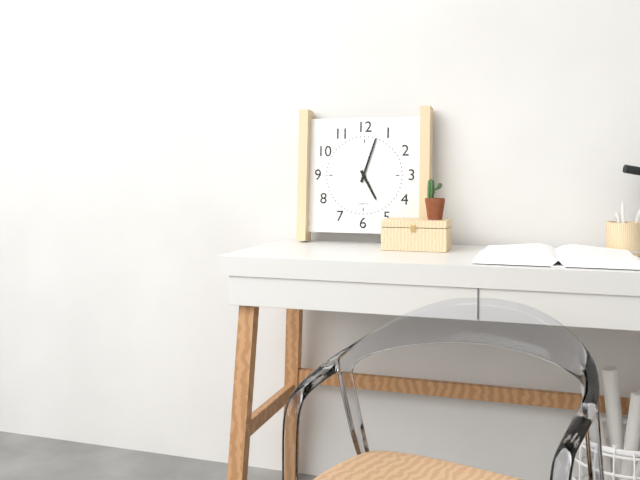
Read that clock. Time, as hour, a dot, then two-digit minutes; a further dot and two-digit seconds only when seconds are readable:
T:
5.03
